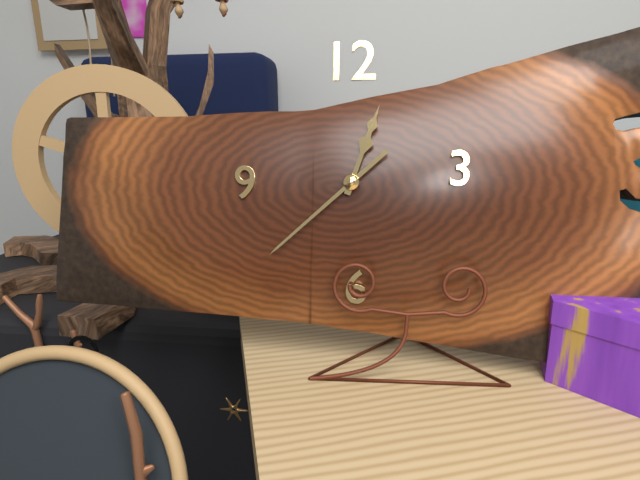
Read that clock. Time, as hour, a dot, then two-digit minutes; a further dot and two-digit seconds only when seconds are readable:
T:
12.38
